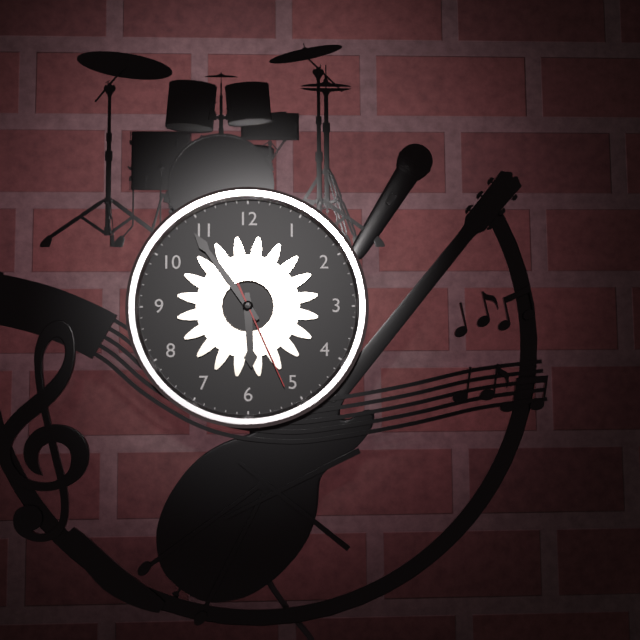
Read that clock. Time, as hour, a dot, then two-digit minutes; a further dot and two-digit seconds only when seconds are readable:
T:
5.54.26
